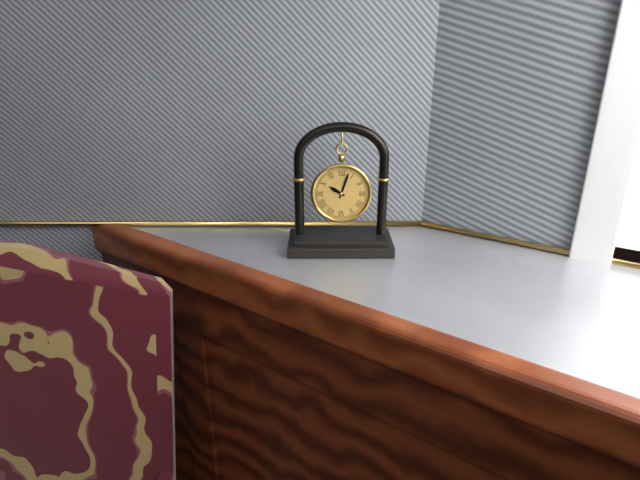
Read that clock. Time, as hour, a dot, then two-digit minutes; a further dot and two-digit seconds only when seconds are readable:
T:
10.03
